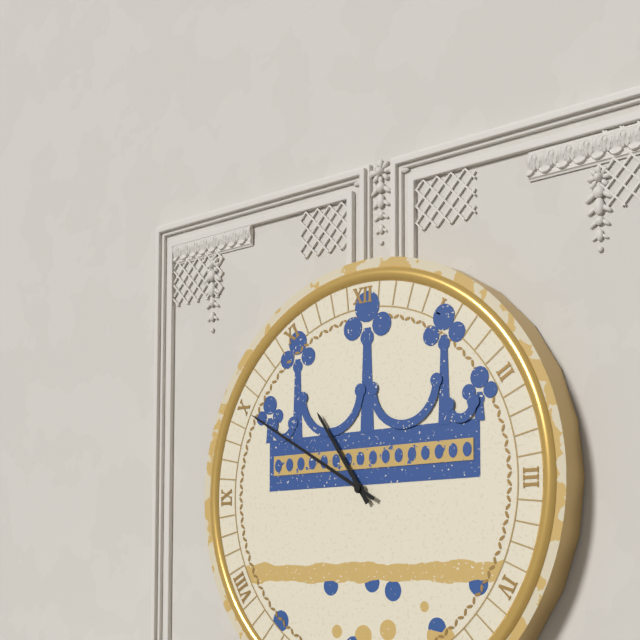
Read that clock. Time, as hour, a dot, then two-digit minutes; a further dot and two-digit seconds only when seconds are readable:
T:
10.50
